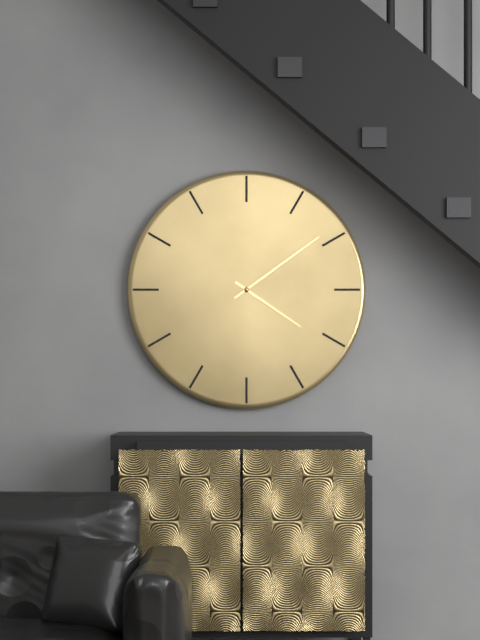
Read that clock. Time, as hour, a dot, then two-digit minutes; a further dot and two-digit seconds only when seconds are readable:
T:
4.09
